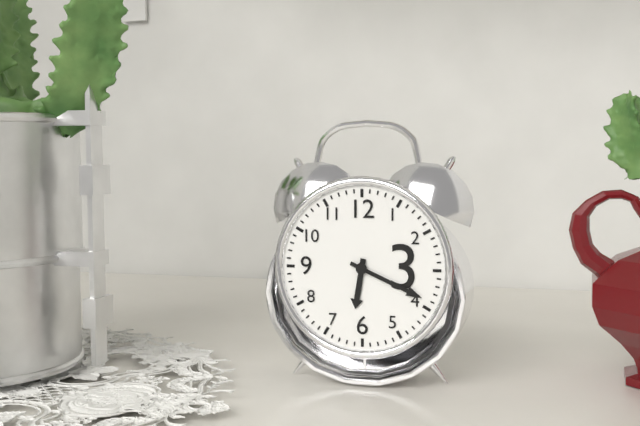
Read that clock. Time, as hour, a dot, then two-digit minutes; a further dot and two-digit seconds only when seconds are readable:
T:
6.19
